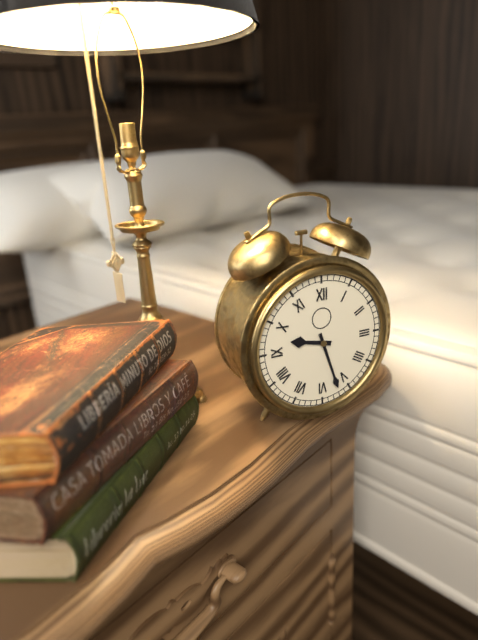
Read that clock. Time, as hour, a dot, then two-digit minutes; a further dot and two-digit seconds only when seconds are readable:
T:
9.27
